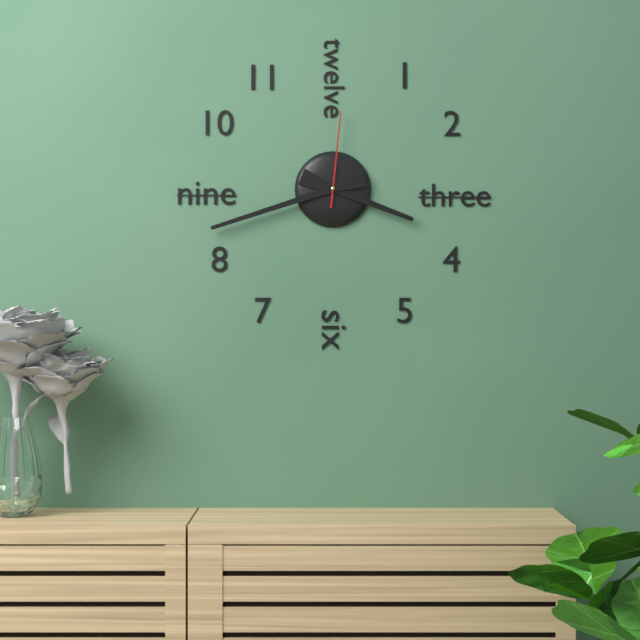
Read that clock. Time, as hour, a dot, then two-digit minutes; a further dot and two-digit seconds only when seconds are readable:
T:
3.42.01
